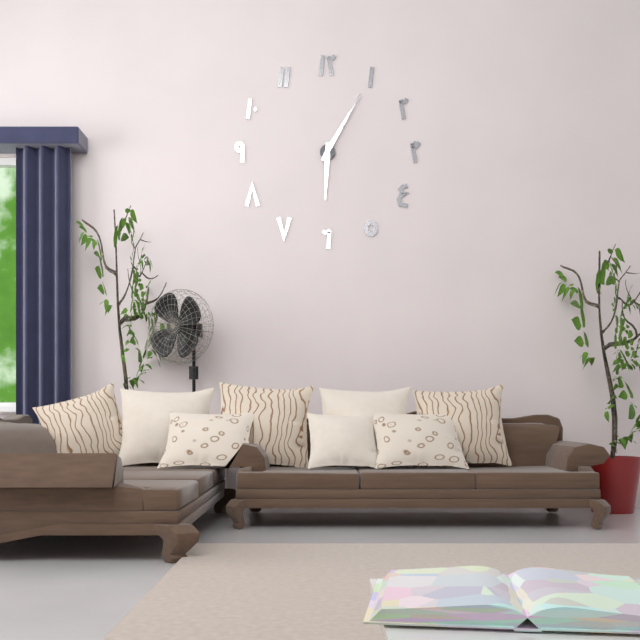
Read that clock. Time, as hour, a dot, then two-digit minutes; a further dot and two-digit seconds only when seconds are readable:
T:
6.05
